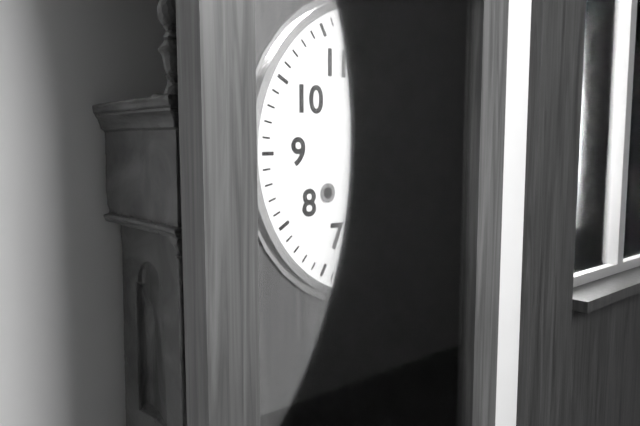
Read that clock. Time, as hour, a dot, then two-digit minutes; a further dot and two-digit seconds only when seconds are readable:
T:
5.15
